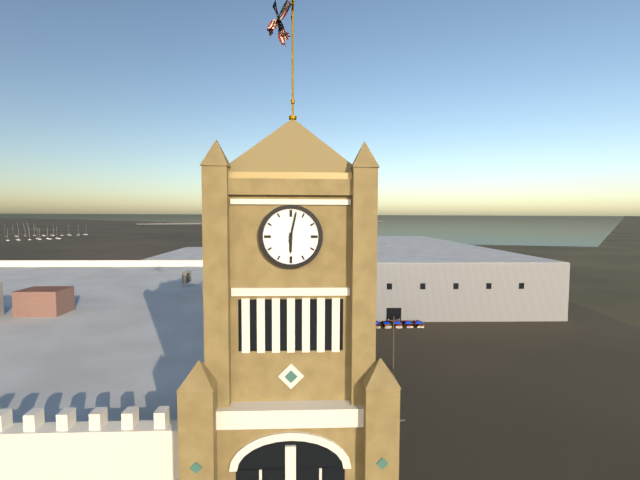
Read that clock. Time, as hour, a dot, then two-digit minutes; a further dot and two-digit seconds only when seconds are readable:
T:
6.02
